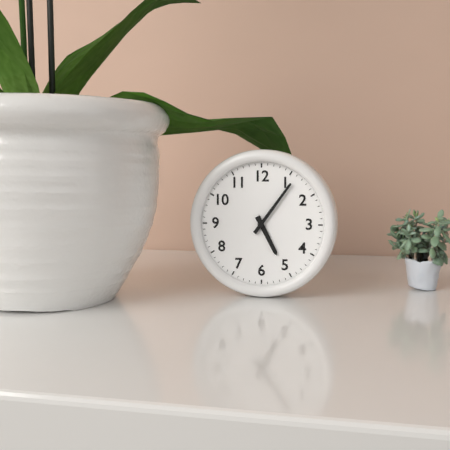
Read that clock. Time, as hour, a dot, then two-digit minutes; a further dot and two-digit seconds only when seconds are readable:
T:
5.06
